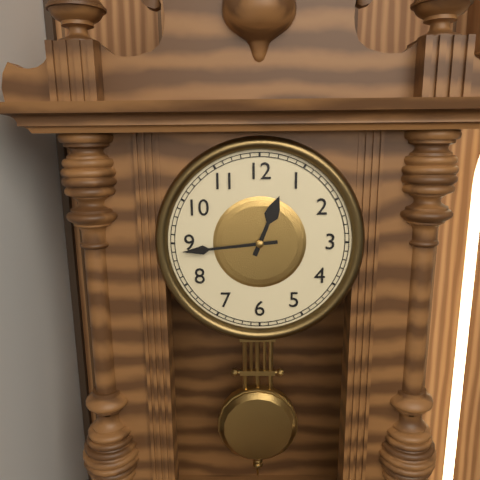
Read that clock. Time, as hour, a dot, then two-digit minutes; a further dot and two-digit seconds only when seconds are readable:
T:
12.44
